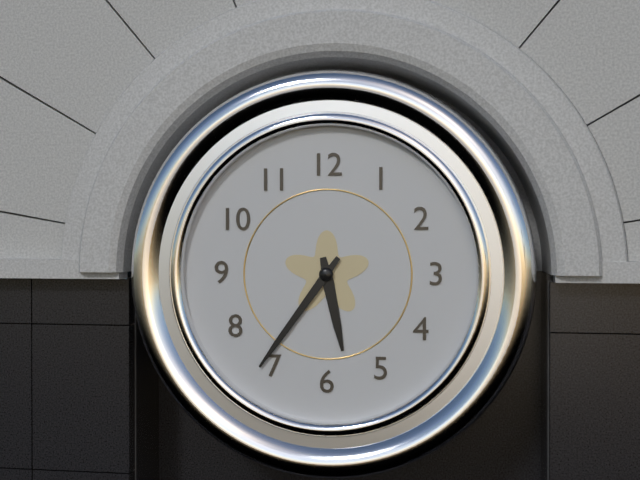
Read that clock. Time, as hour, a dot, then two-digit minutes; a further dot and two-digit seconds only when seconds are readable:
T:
5.36
